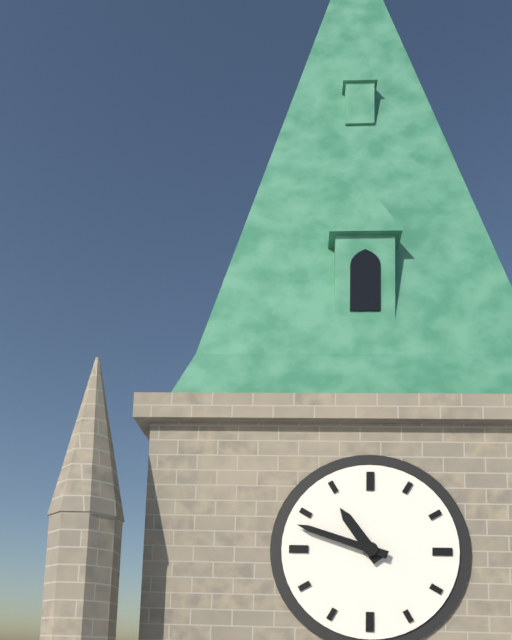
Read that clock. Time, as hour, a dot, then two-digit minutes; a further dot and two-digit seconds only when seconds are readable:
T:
10.48
